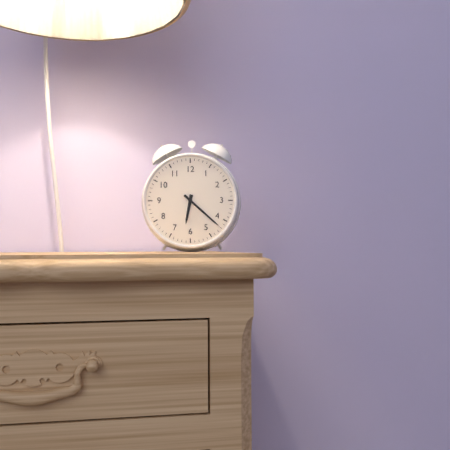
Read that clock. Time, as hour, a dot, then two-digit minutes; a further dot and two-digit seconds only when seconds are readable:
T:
6.22
